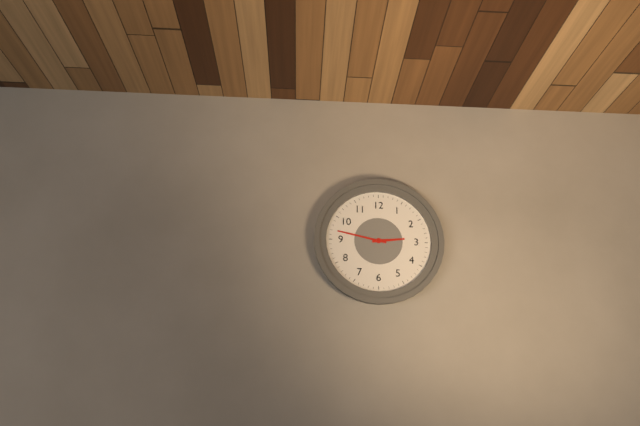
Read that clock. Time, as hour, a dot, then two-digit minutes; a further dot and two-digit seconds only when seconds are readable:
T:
2.47
